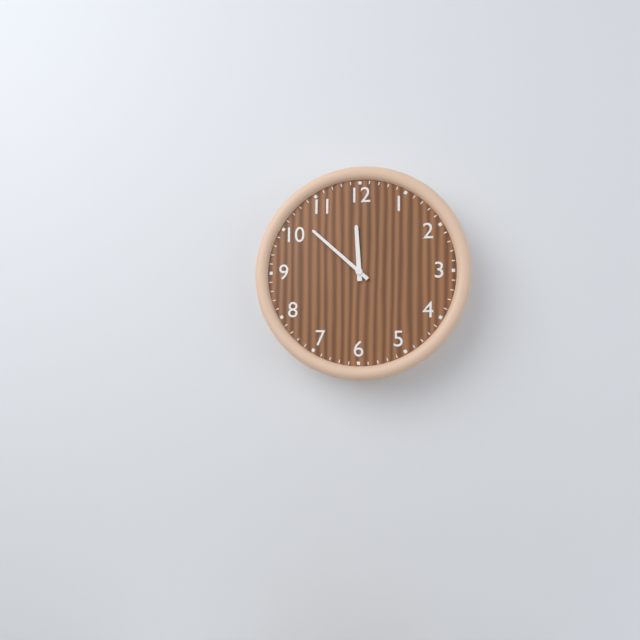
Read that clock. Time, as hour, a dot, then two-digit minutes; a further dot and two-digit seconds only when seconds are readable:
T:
11.52
